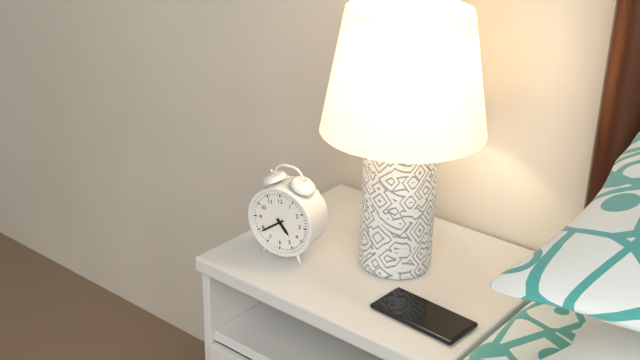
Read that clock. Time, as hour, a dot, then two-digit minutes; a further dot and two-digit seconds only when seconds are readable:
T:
4.39
